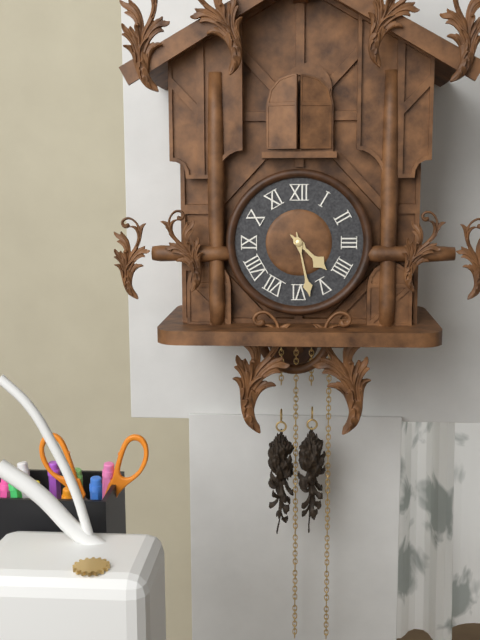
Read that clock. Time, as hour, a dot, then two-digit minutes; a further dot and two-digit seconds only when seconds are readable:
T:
4.28
